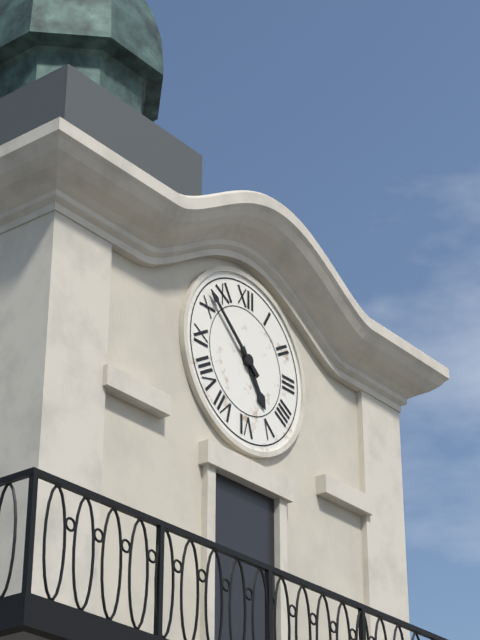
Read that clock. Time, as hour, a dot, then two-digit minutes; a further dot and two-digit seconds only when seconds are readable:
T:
4.52
